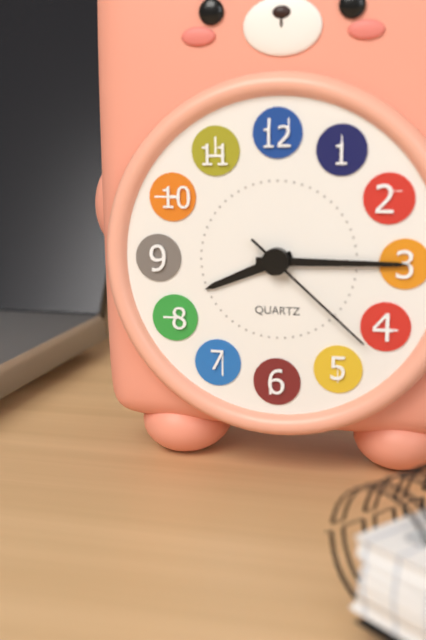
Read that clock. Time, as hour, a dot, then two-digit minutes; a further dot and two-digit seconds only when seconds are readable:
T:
8.15.22
